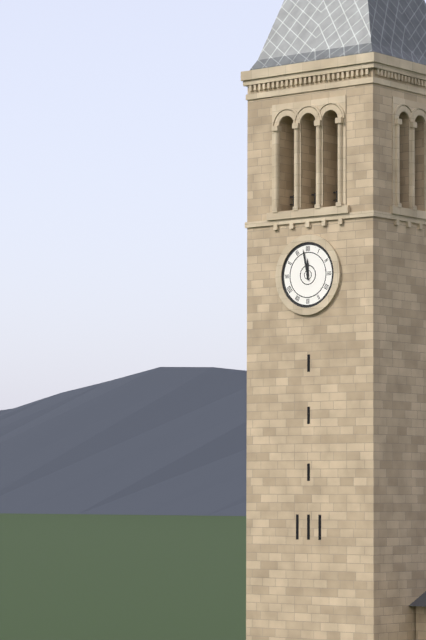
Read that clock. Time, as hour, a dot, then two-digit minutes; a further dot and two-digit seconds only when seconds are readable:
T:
11.58
